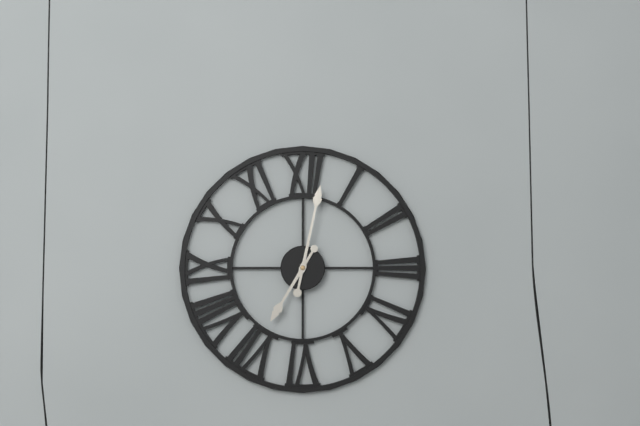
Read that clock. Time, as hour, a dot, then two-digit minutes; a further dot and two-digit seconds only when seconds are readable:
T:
7.02
